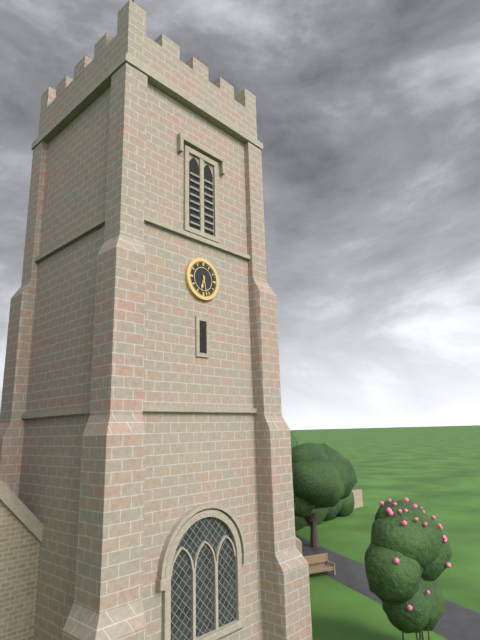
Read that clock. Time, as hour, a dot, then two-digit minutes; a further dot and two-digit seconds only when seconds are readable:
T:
6.28
